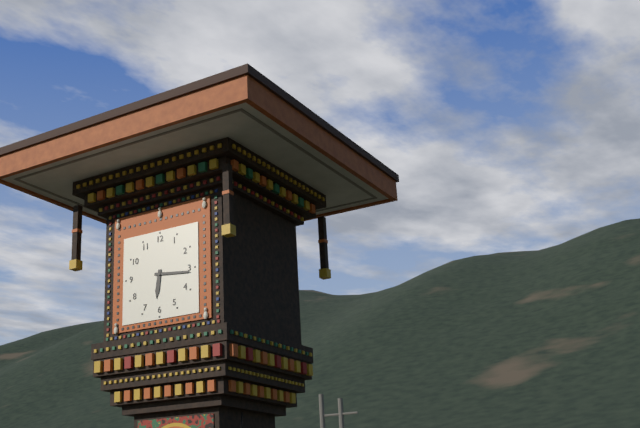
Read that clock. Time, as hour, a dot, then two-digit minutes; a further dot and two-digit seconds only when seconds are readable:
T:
6.16
